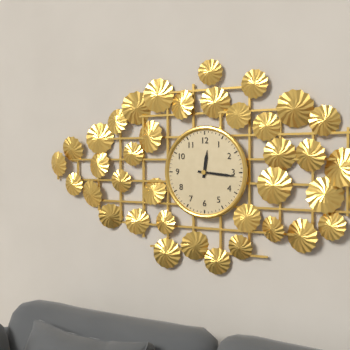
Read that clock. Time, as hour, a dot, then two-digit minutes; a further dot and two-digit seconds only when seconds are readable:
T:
12.16
